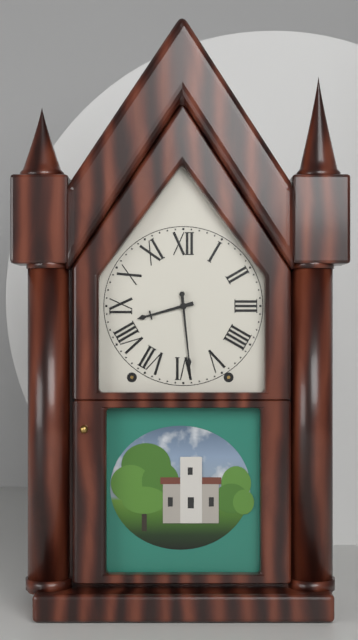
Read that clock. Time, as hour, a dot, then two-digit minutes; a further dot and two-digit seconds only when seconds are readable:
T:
8.29
